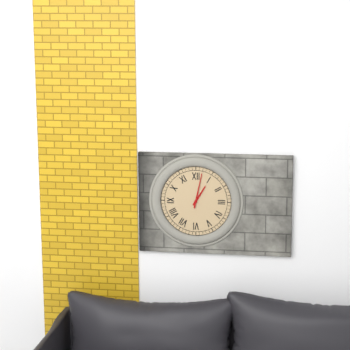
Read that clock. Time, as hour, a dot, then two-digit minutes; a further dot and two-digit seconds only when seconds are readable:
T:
1.02
